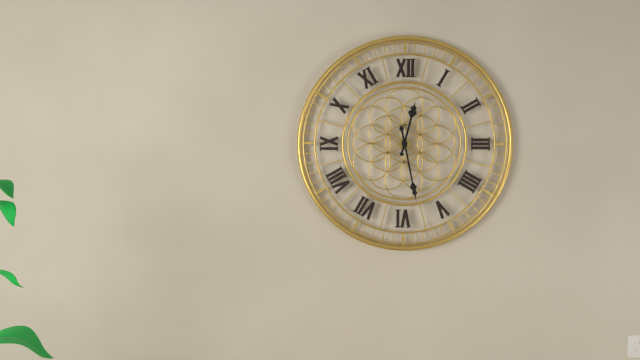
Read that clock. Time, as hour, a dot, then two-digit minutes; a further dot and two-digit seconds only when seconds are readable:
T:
12.28
